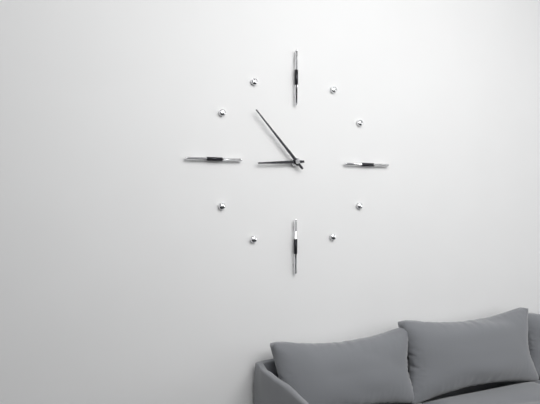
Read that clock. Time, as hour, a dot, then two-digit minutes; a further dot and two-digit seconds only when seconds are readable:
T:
8.53
